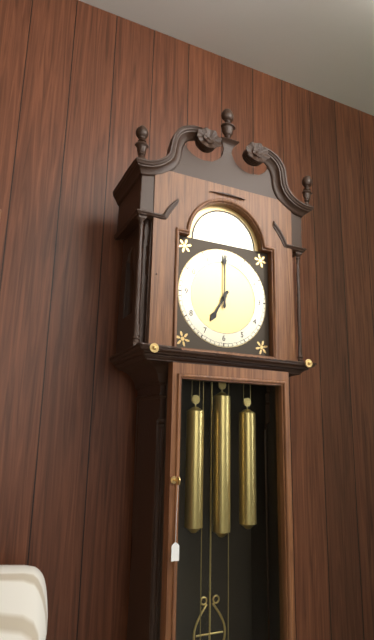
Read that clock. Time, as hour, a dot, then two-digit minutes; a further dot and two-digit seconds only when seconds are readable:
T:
7.00
